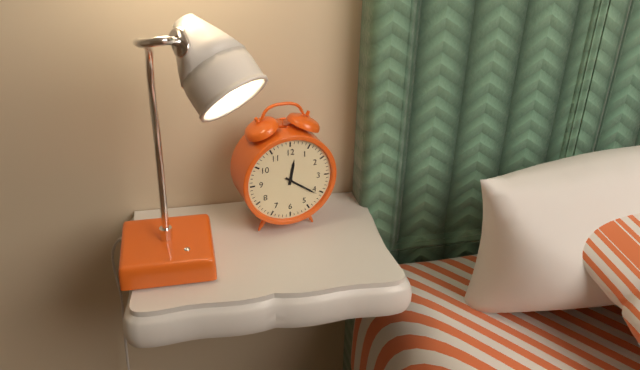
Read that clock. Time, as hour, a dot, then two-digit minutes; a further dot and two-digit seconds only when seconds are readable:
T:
12.21
